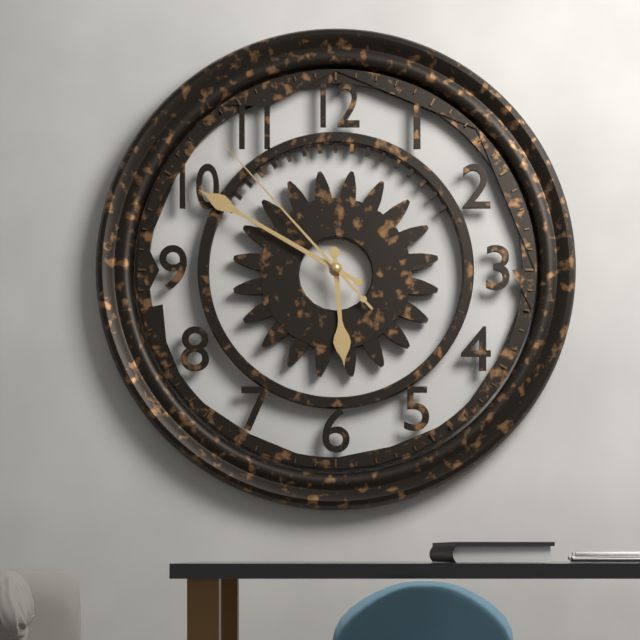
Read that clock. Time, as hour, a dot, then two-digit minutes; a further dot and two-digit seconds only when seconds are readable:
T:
5.50.53
